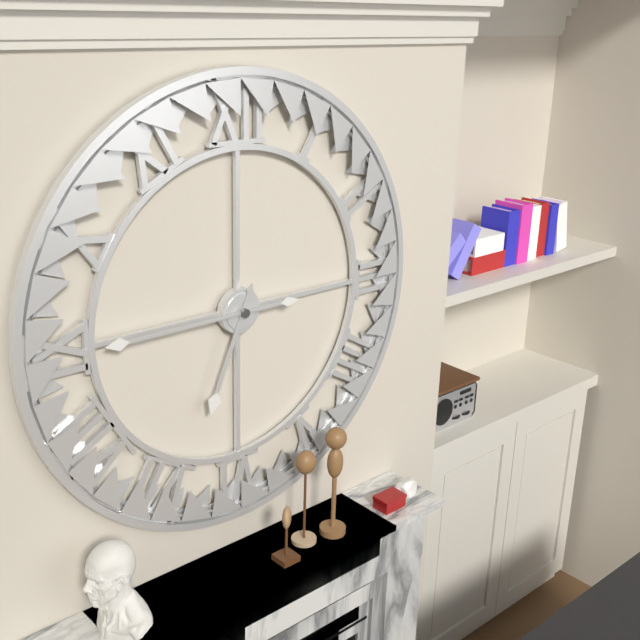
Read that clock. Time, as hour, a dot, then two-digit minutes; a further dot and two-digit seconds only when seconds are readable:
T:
6.45
